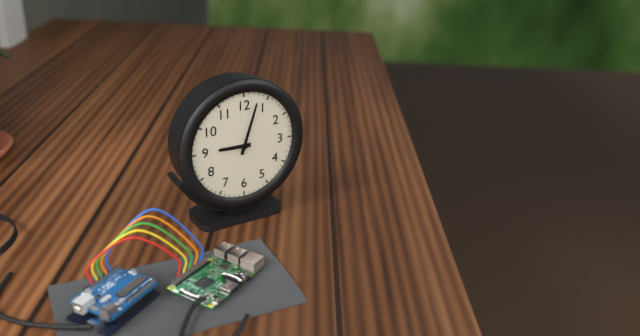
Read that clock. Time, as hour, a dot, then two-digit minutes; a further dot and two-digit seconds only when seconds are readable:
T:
9.03
